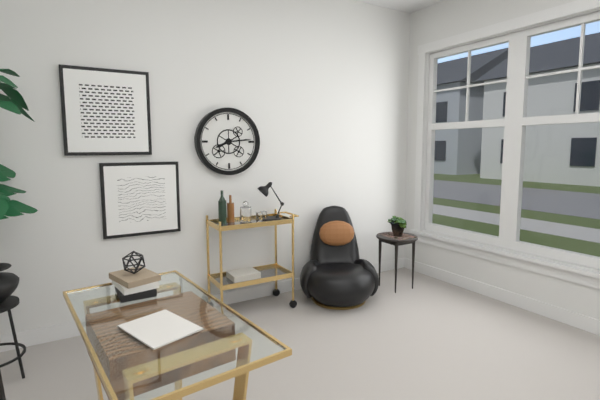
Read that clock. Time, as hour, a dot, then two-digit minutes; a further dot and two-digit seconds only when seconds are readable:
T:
8.14
